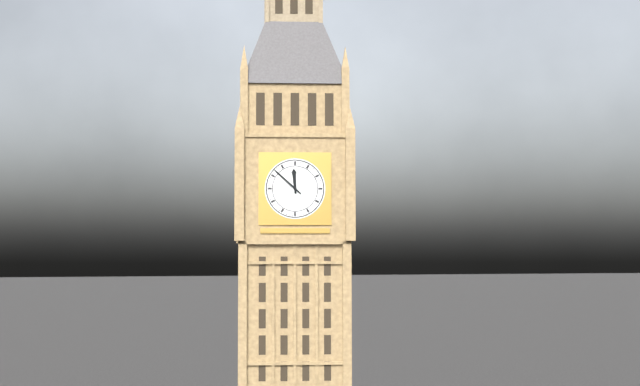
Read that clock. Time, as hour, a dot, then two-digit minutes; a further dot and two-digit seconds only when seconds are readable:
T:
11.52
